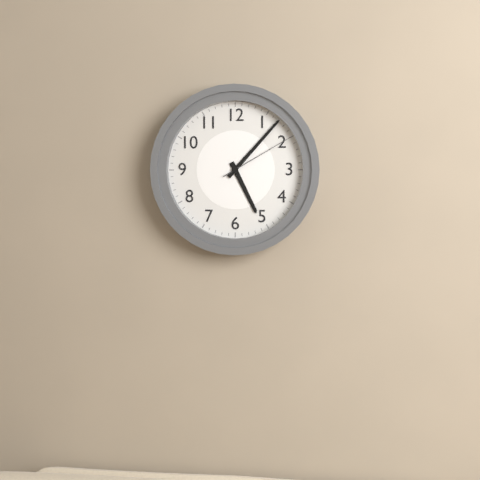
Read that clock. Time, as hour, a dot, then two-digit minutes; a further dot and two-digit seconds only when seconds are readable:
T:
5.07.10
